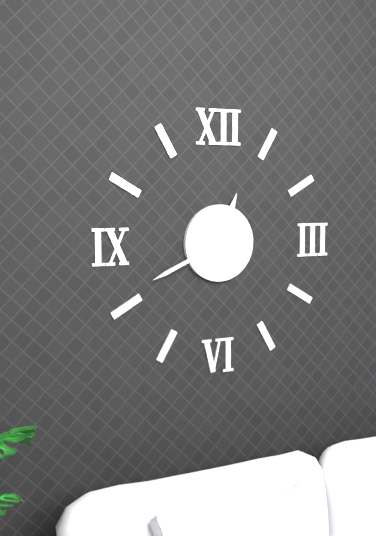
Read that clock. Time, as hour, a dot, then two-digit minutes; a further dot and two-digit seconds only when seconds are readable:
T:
12.41
